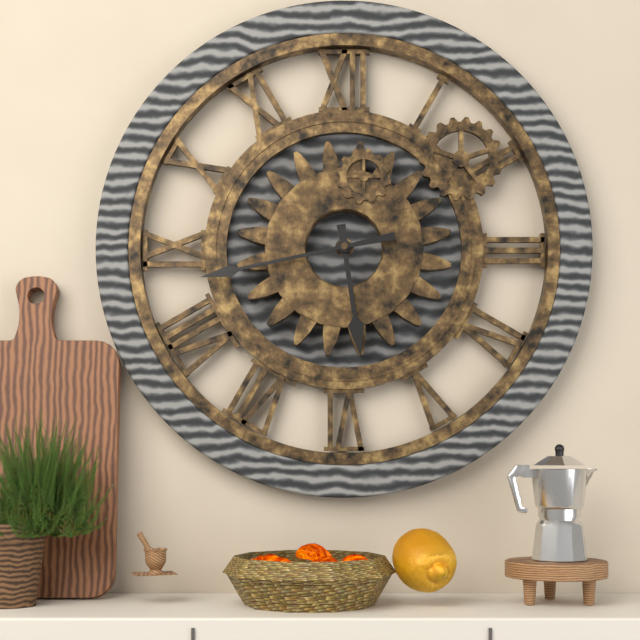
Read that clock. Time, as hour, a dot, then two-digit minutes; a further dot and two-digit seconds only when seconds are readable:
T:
5.43
